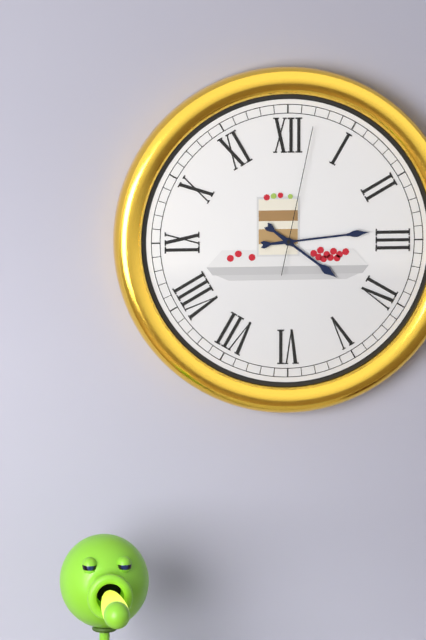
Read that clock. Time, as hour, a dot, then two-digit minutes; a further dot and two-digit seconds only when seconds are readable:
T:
4.14.02
